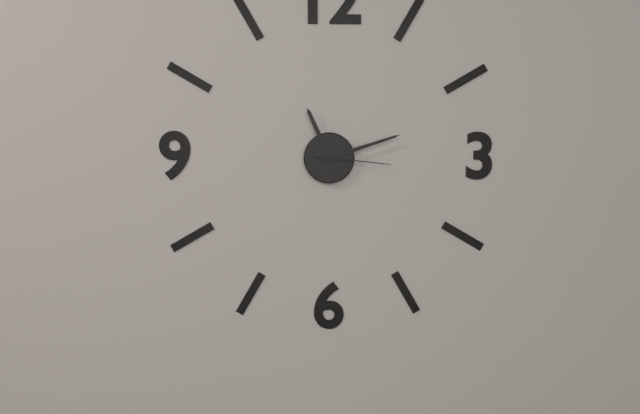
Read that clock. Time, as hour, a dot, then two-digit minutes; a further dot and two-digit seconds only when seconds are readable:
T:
11.12.16
